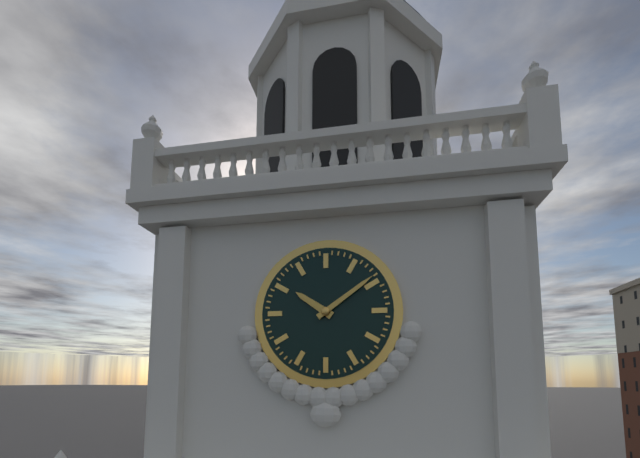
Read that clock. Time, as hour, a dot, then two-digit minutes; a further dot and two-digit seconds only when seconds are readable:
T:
10.09
